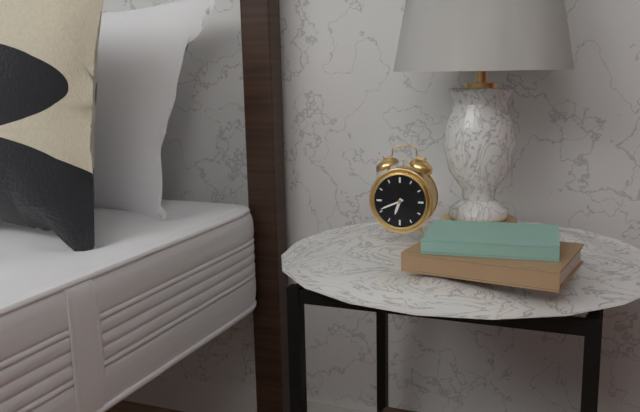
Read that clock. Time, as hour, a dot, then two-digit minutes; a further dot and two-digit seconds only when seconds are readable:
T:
6.41
